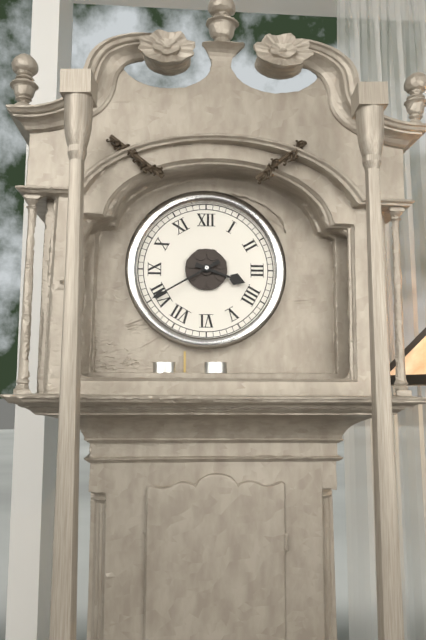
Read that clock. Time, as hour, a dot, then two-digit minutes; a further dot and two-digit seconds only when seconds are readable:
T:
3.40
